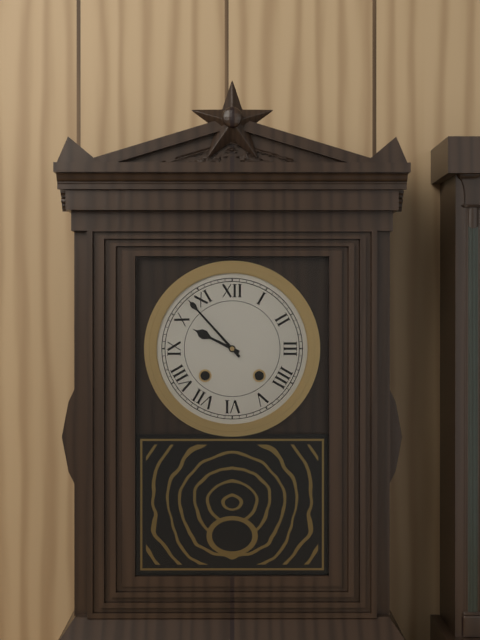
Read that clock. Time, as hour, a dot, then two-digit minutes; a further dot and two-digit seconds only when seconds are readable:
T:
9.53
